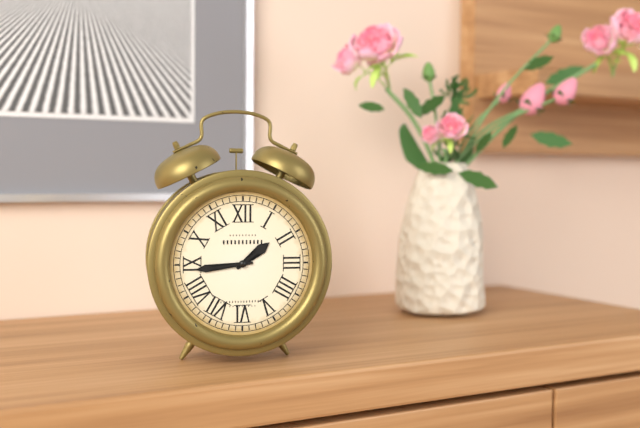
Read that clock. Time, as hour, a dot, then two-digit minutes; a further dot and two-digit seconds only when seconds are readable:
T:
1.44
